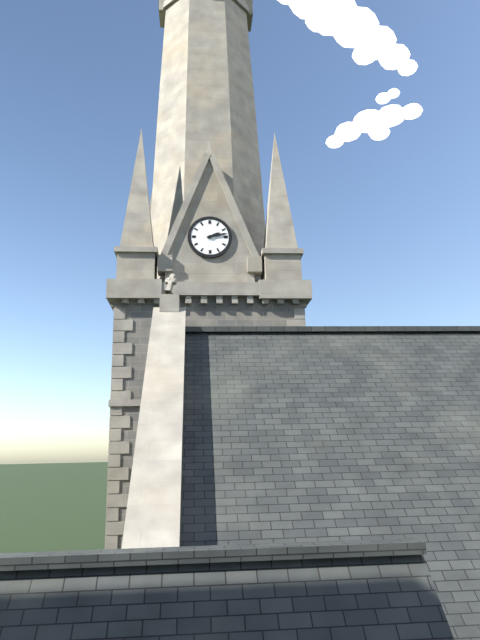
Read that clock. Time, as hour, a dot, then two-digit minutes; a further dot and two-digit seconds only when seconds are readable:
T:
2.13
